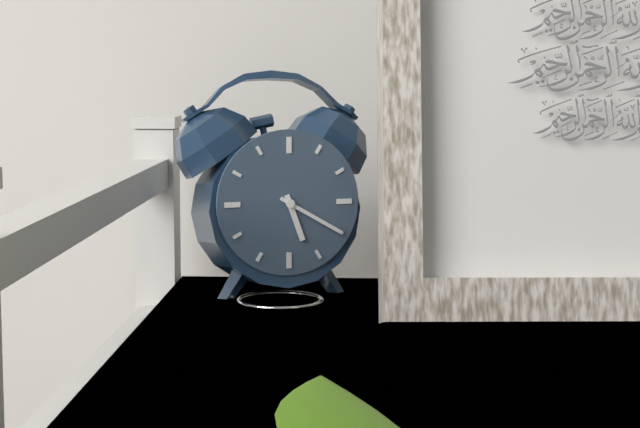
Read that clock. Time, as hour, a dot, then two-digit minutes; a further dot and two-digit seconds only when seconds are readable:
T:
5.20
